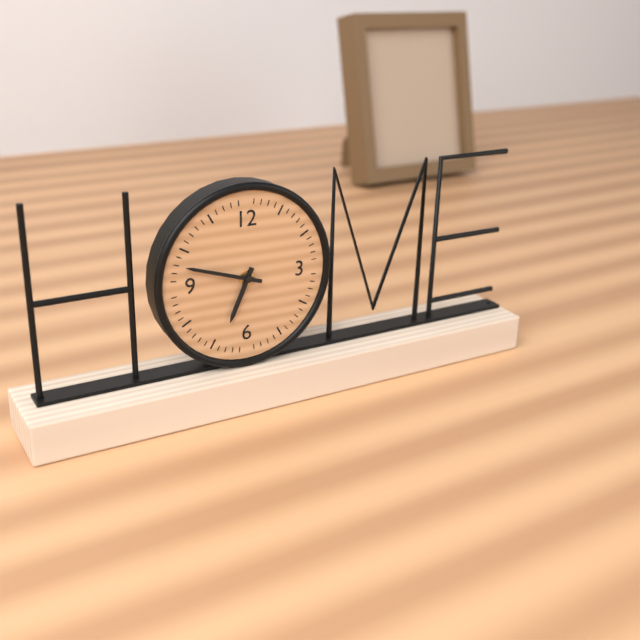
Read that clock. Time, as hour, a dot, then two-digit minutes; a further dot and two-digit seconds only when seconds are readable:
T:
6.48
